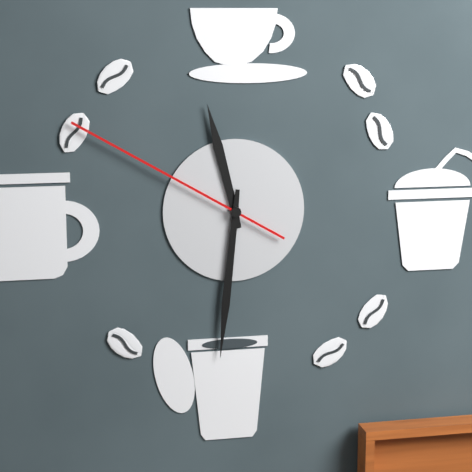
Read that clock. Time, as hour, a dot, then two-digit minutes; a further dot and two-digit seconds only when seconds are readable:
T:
11.31.50
